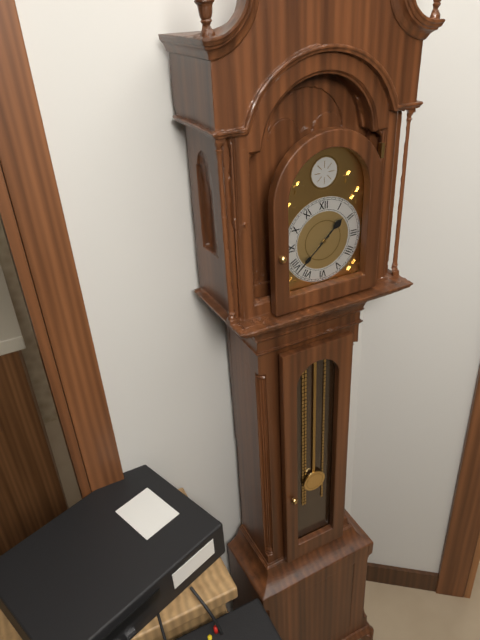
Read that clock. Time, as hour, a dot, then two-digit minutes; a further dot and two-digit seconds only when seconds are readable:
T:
1.38
